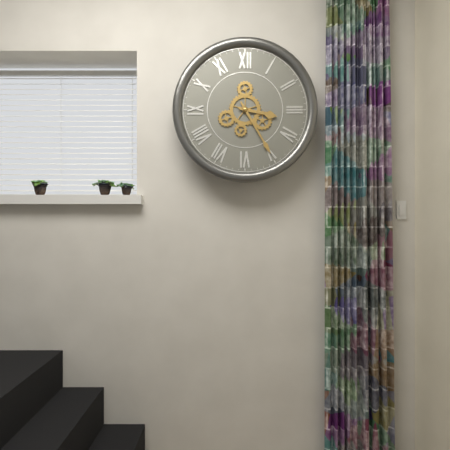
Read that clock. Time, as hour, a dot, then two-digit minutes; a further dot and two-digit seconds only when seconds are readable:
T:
3.25
